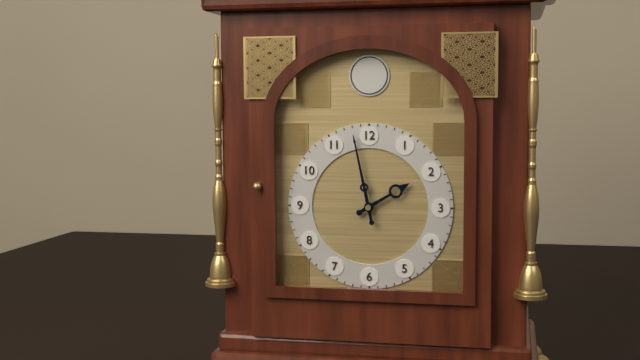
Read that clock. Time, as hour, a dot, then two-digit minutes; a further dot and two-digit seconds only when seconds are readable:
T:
1.58
